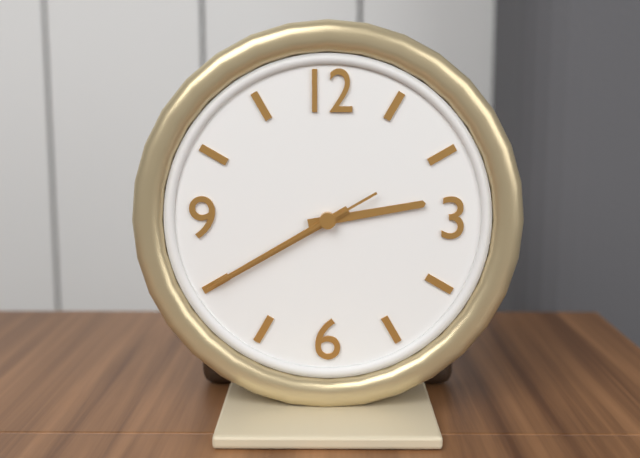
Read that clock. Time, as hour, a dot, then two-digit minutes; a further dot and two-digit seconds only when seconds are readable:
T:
2.40.40
